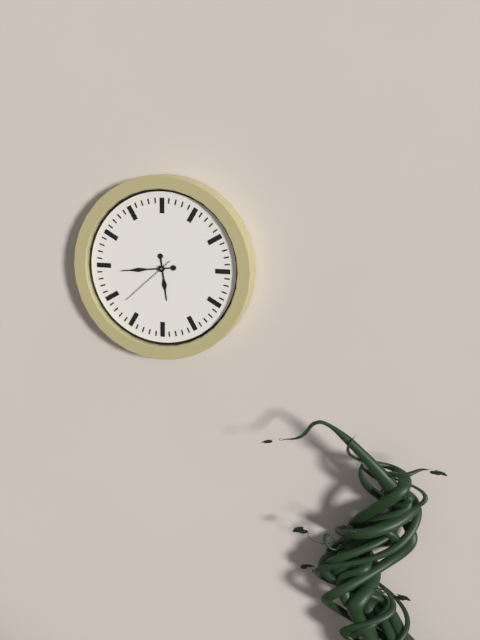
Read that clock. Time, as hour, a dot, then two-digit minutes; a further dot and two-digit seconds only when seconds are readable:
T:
5.44.38
